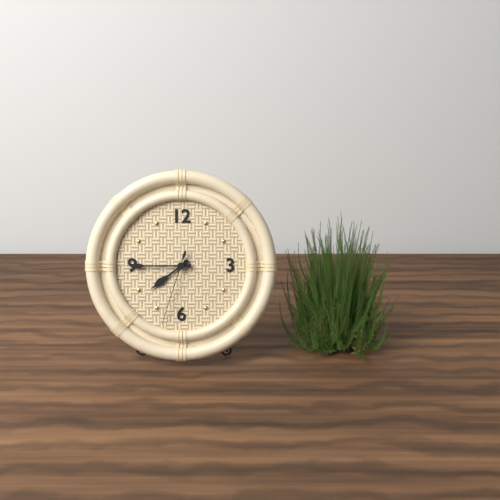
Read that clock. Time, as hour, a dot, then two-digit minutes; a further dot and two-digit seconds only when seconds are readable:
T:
7.45.33
